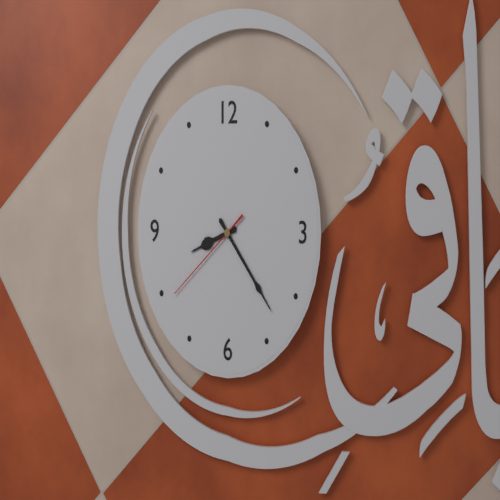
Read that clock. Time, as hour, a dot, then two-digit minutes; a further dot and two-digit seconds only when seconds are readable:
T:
8.23.39
